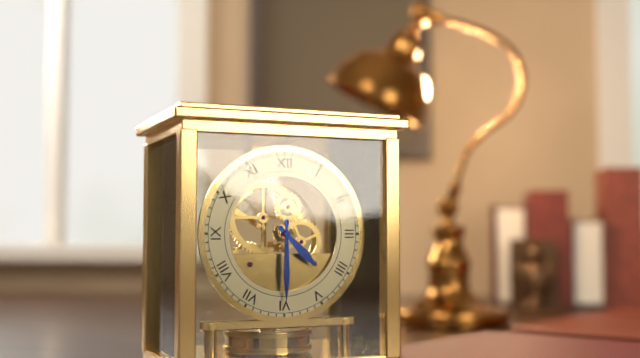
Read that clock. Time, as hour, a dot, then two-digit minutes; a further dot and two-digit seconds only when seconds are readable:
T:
4.30
